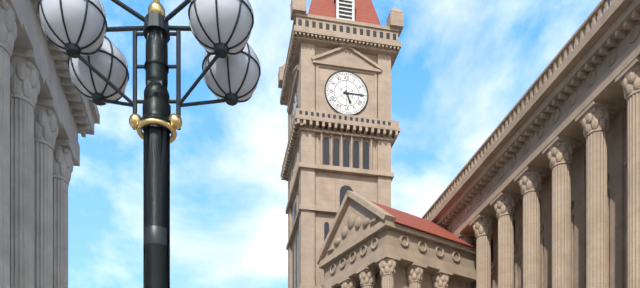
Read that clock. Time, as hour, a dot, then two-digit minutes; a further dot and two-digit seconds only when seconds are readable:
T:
5.15
